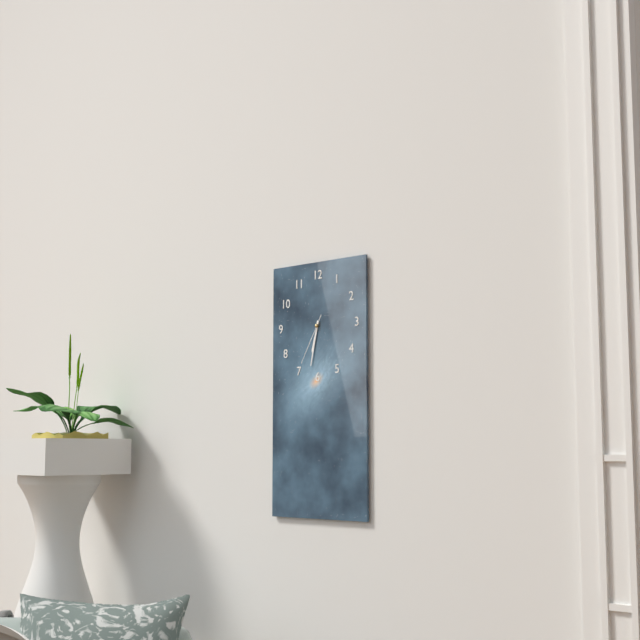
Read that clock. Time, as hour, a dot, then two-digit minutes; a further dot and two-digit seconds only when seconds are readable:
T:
6.32.35
